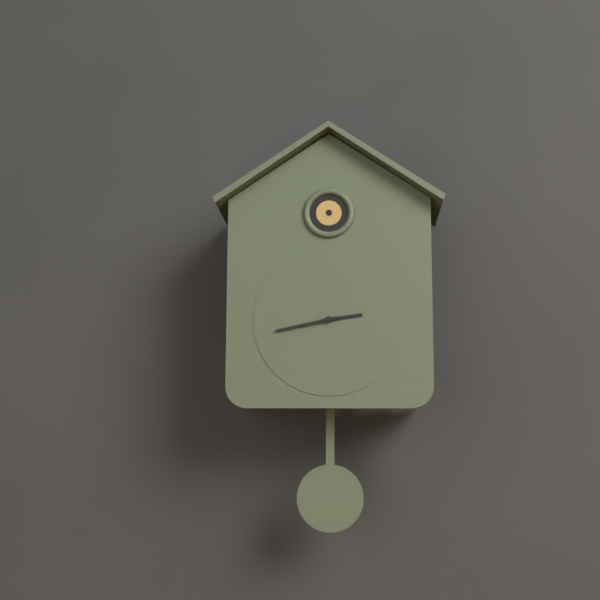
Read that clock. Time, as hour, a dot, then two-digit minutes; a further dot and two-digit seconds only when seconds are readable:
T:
2.43
